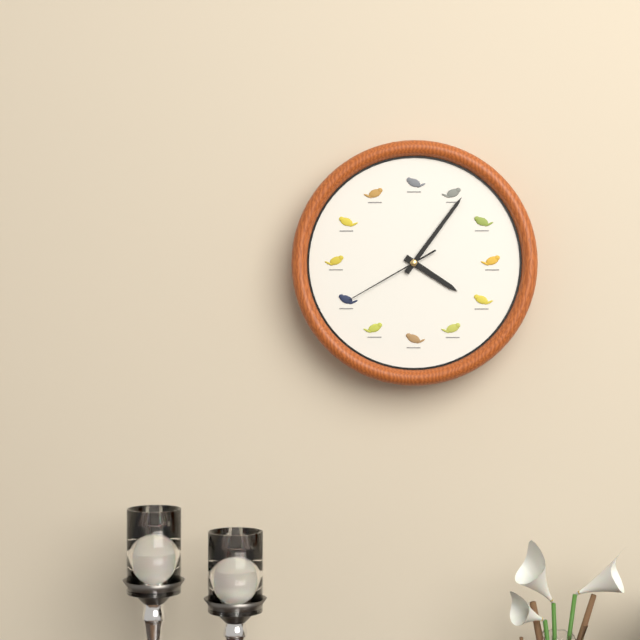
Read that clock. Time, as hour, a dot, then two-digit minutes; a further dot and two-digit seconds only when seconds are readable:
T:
4.06.40
